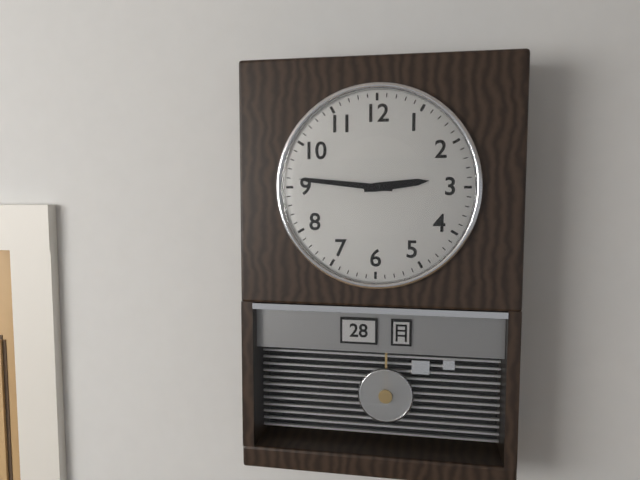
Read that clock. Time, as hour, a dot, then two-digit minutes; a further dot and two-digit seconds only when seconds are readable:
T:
2.46
